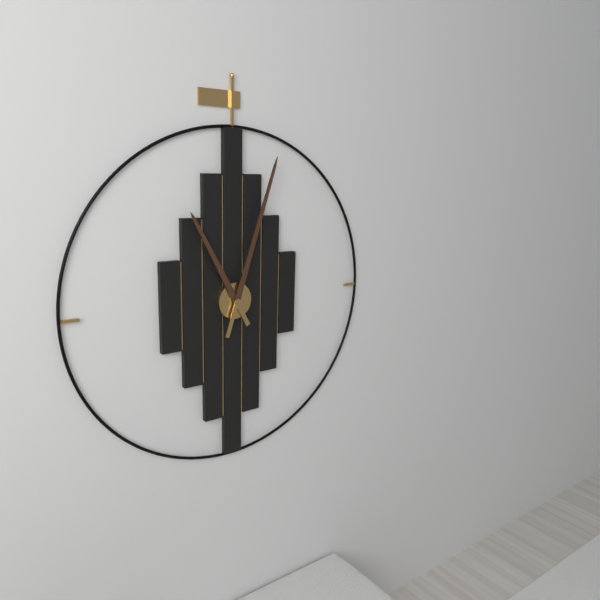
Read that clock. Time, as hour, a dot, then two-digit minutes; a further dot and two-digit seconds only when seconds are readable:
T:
11.03
